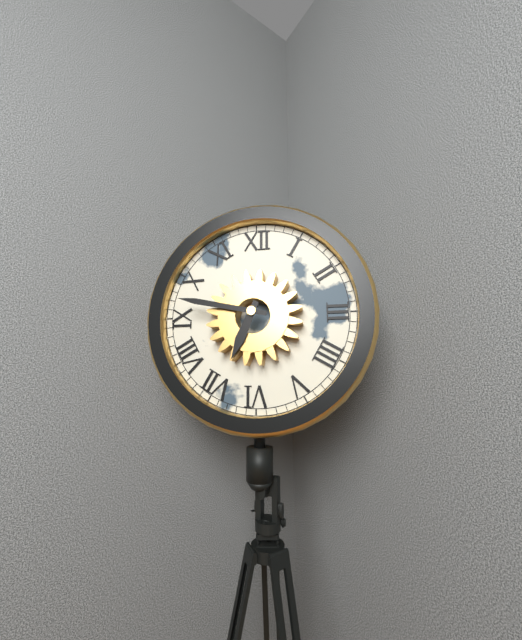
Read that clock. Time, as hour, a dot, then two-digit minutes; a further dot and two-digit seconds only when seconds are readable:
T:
6.47
